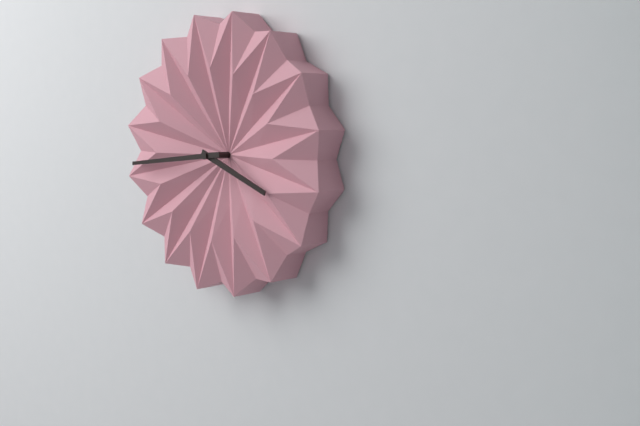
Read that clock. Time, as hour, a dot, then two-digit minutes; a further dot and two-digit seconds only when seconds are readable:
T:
3.44
